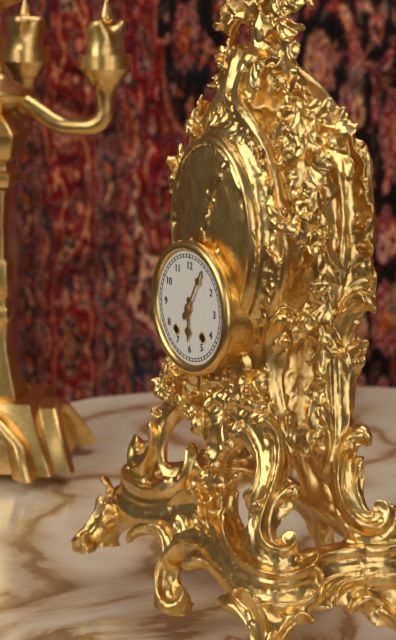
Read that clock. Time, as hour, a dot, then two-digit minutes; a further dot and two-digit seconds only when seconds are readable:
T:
6.05
